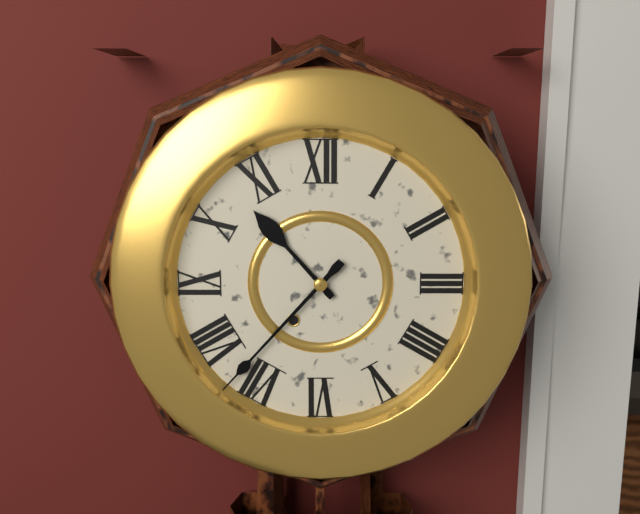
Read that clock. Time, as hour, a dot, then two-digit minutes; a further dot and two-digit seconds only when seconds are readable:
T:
10.37
